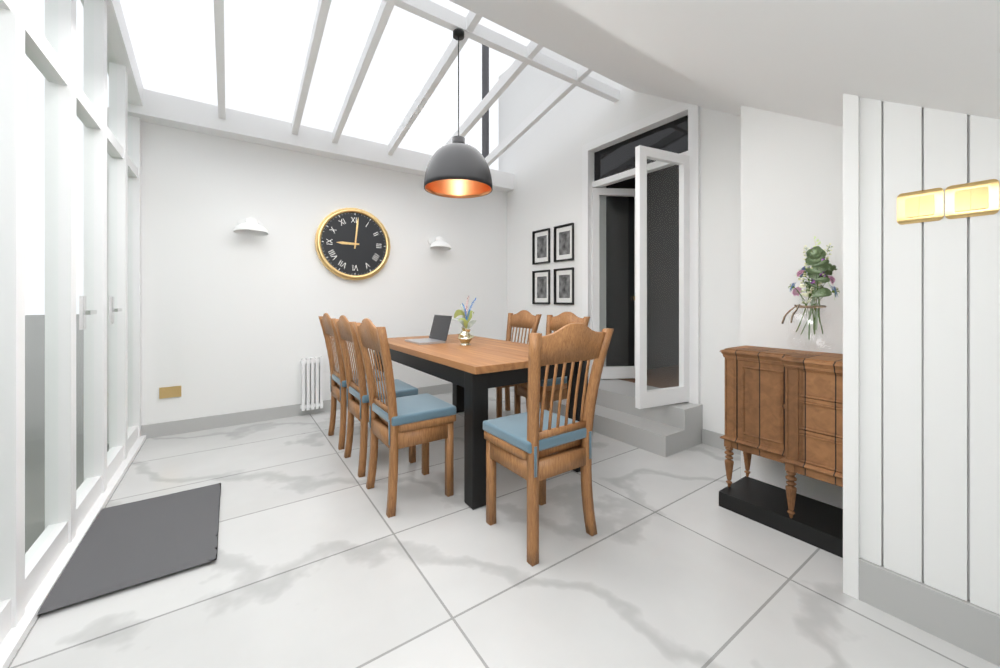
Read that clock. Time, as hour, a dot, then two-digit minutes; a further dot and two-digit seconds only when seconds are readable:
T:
9.01
